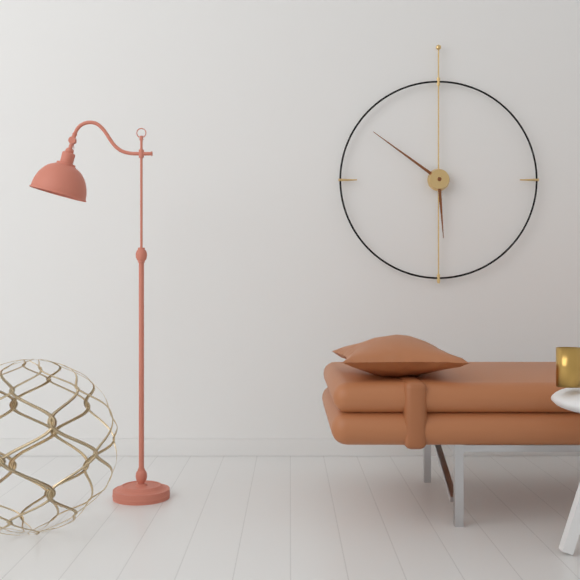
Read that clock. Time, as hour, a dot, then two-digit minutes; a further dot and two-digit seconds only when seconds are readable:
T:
5.51
